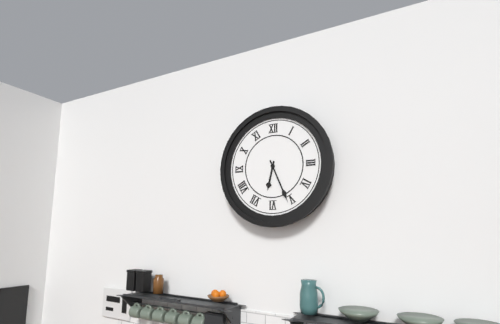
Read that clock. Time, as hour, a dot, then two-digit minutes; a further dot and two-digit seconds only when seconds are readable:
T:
6.26
